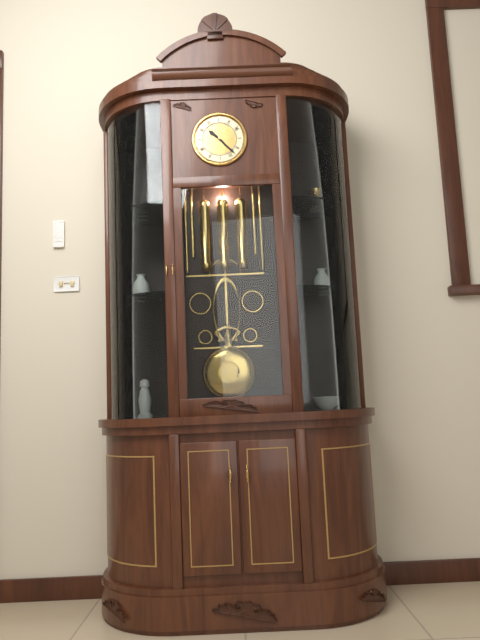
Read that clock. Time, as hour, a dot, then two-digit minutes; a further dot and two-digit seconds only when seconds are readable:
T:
10.23
